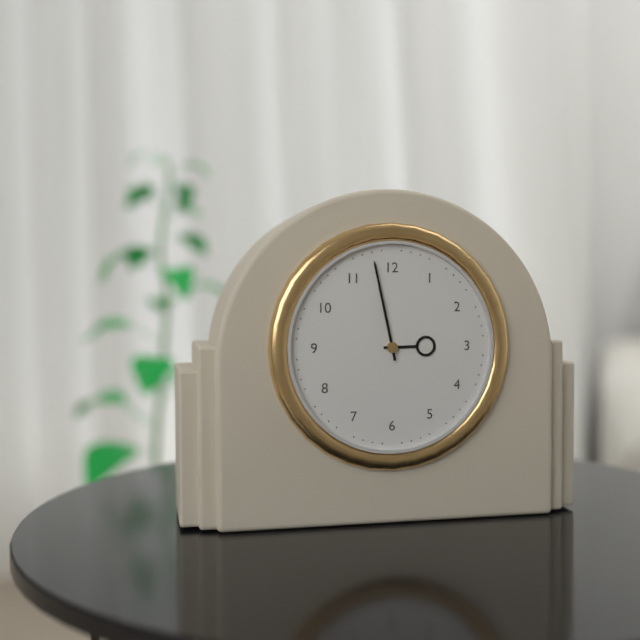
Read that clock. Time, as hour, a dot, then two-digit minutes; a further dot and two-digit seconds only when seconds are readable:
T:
2.58
